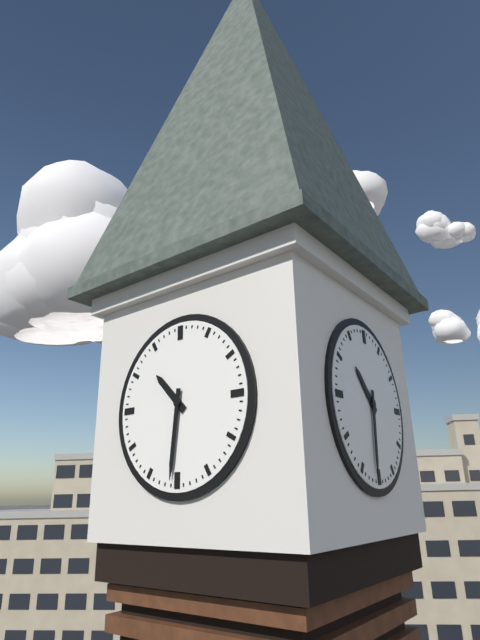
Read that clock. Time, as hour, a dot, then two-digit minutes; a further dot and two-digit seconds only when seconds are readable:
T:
10.31
